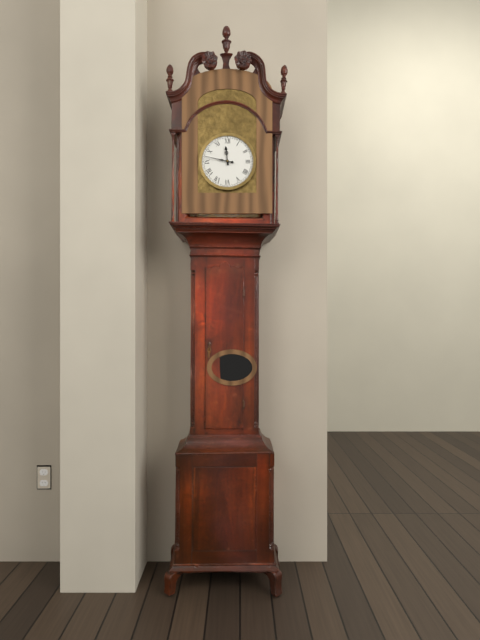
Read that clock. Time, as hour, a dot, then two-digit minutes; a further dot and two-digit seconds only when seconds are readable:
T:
11.47
